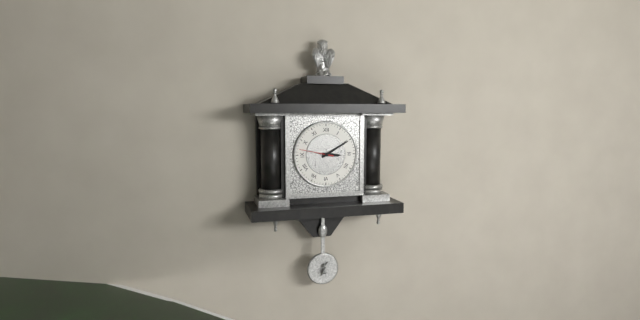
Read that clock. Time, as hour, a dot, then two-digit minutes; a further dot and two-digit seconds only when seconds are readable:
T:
3.10
